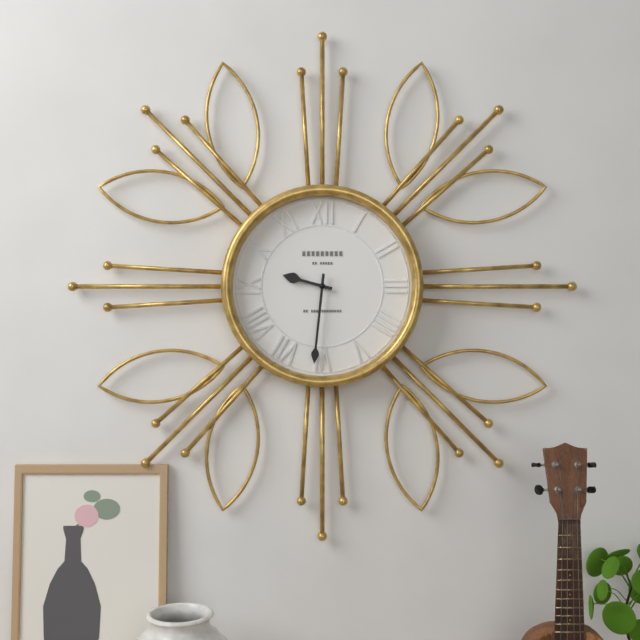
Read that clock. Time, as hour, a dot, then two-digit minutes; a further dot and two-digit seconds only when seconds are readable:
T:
9.31
